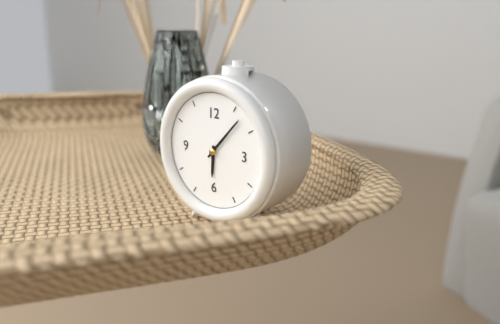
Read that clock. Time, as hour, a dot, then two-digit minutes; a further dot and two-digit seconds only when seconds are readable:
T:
6.07
